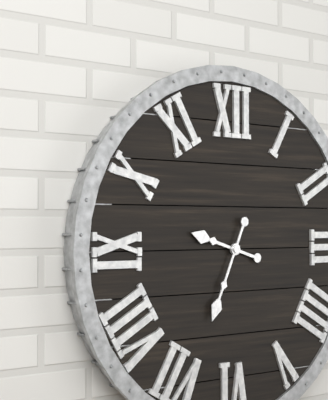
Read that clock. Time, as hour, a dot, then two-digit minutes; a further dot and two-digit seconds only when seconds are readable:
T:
9.34
